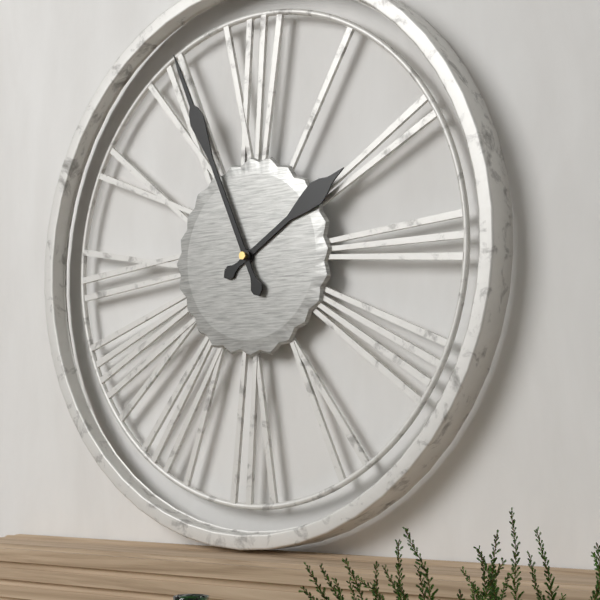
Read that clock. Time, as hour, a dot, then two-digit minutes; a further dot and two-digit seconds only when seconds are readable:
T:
1.56
